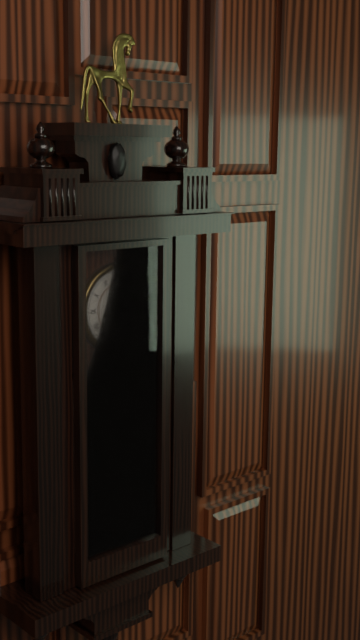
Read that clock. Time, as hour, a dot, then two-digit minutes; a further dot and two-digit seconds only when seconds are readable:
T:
5.31
